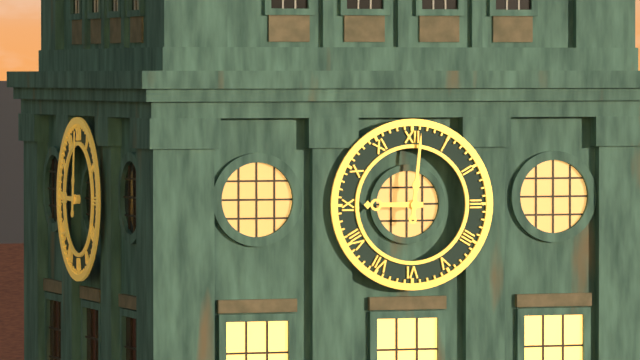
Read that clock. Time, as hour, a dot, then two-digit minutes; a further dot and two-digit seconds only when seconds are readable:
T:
9.01
